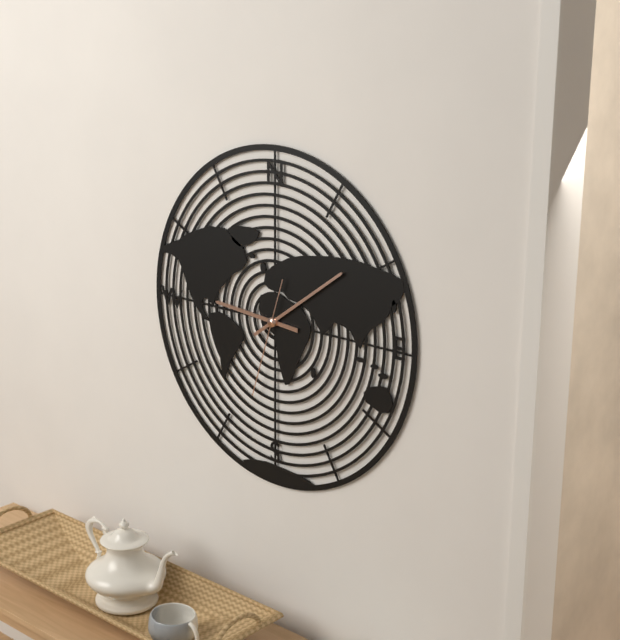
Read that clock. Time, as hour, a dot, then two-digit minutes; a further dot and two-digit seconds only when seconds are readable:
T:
9.09.33
